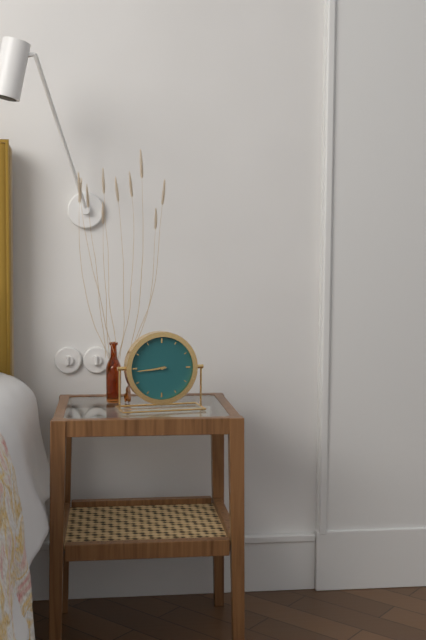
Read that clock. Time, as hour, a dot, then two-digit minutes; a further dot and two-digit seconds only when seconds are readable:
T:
8.44
